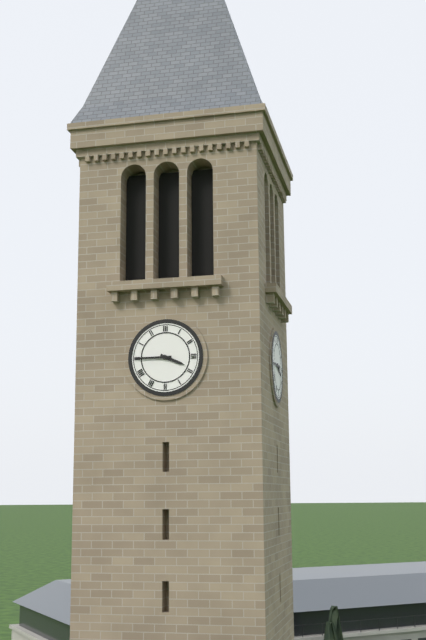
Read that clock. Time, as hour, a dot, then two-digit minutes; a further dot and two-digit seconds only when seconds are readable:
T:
3.45
